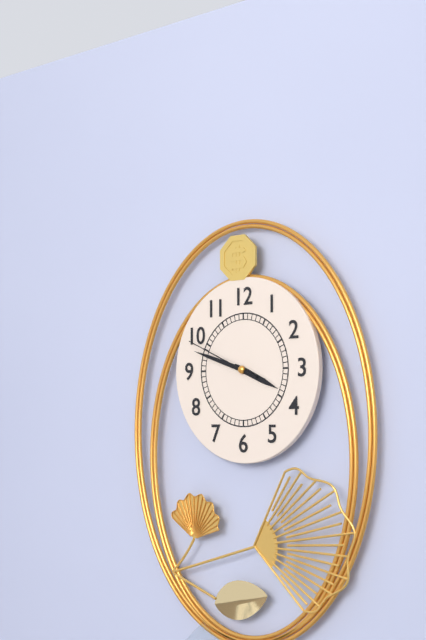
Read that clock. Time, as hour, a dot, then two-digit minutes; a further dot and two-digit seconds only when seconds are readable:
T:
3.48.49
